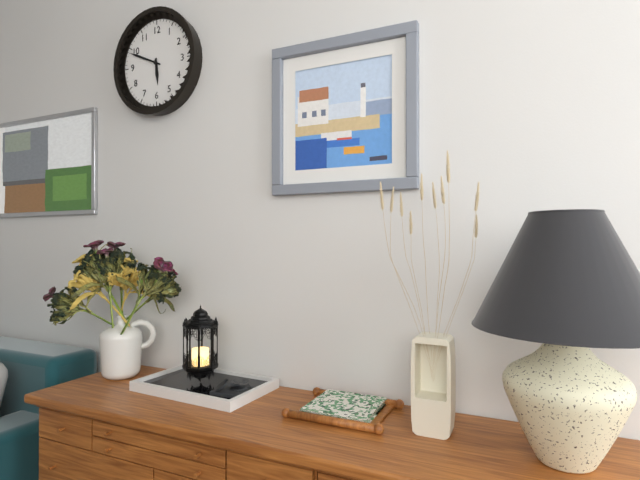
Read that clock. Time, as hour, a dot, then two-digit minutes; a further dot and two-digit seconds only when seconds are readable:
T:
5.49
